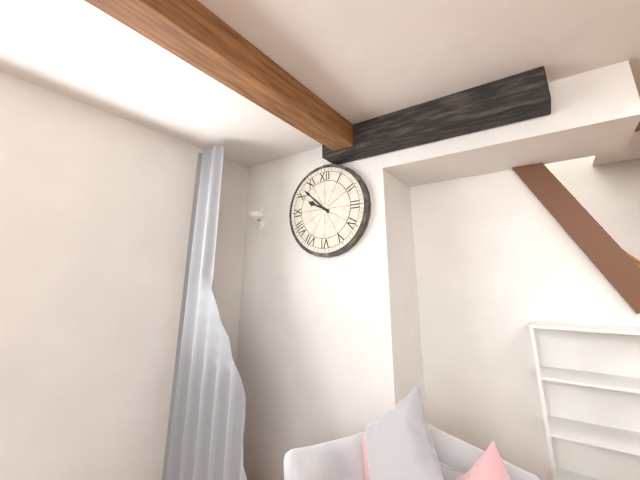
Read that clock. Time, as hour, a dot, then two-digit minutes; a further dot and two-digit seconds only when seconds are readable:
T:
9.52
